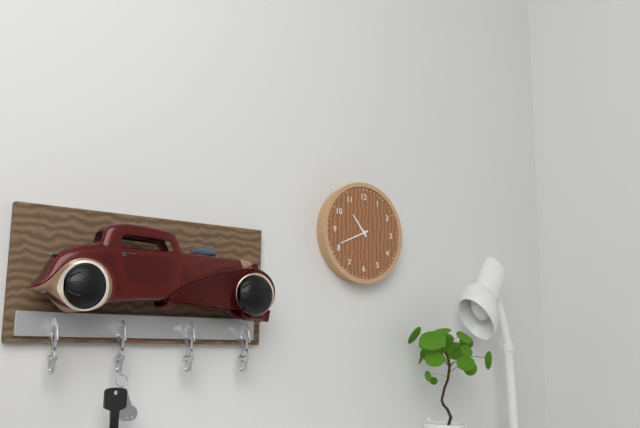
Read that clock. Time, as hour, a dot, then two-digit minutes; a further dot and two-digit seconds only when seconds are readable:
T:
10.41
